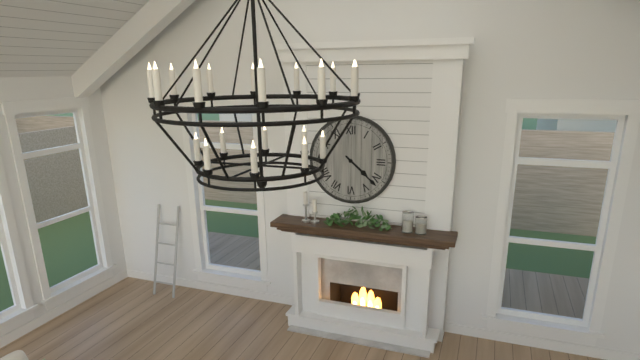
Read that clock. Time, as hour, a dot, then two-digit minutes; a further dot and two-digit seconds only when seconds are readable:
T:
4.22
